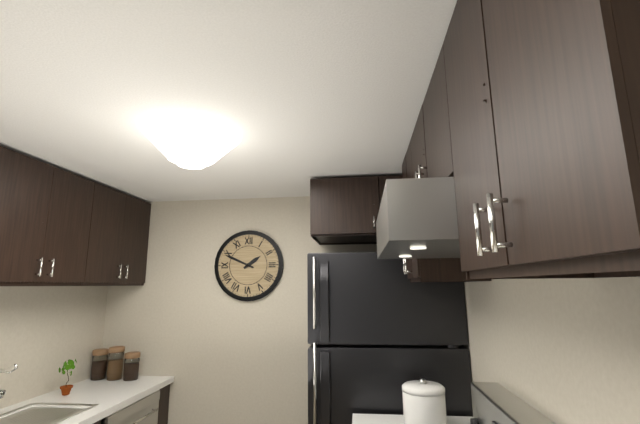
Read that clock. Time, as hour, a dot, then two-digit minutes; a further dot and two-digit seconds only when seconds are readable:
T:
1.49
